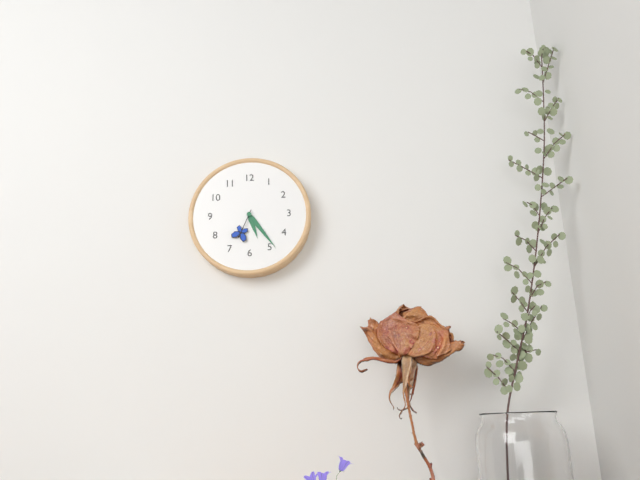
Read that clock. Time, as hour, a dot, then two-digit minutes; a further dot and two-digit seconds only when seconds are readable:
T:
5.24
